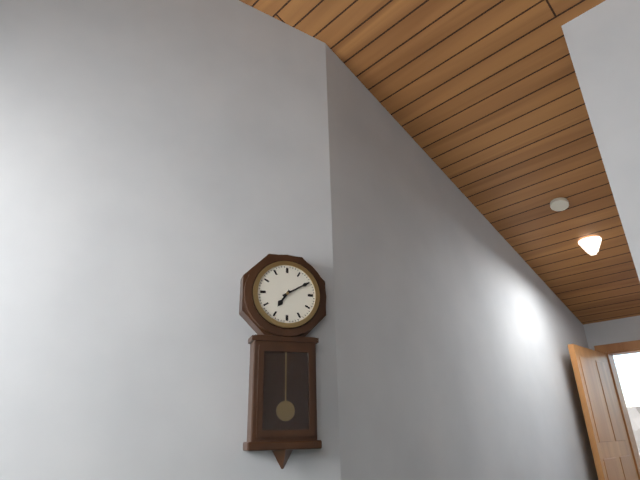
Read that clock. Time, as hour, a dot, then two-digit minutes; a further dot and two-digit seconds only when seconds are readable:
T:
7.10
